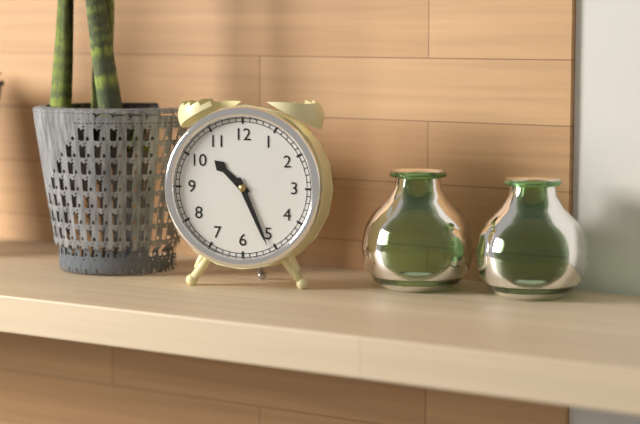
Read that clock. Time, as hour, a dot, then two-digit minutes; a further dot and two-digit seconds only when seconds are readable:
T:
10.26
